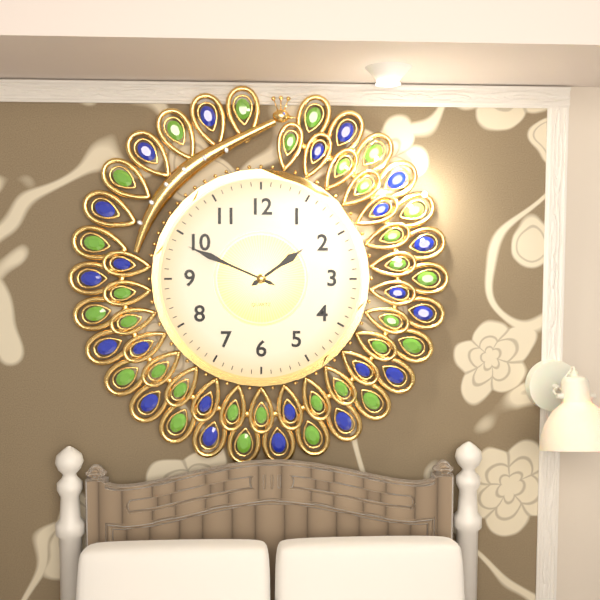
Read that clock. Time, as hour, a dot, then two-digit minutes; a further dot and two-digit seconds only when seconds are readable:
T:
1.49
